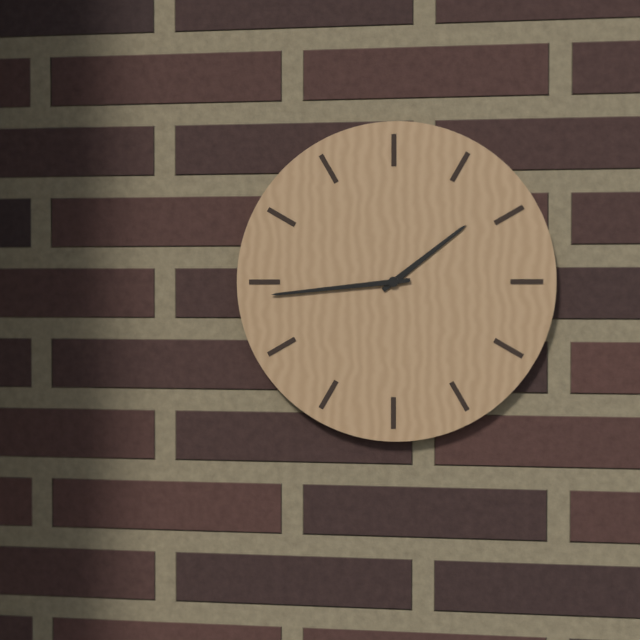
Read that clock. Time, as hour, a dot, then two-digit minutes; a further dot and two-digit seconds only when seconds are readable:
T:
1.44
